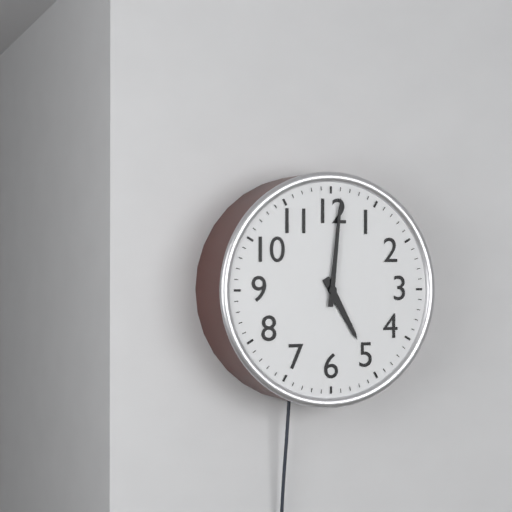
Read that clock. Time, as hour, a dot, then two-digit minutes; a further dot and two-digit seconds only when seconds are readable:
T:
5.01
